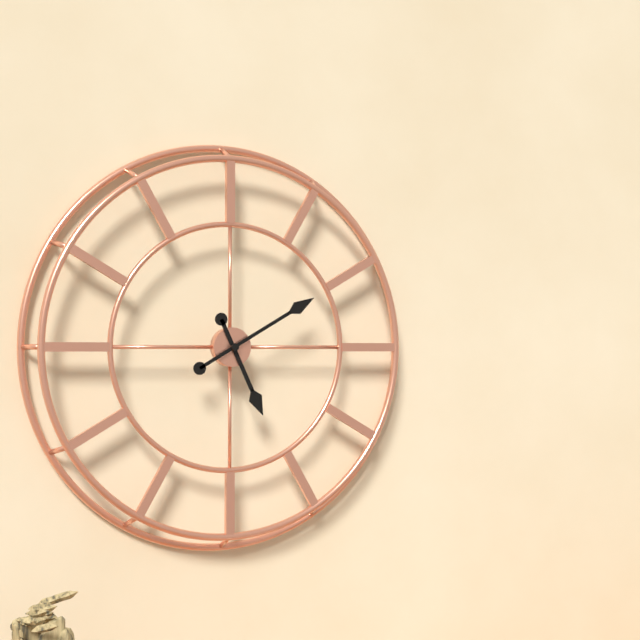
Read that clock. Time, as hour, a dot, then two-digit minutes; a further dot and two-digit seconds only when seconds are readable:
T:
5.10
